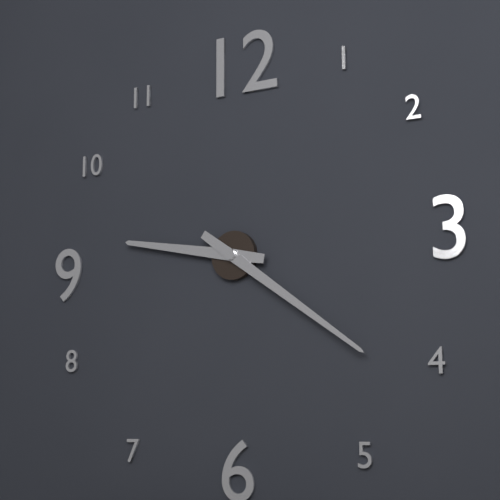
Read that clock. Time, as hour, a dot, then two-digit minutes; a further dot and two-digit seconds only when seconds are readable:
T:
9.21
